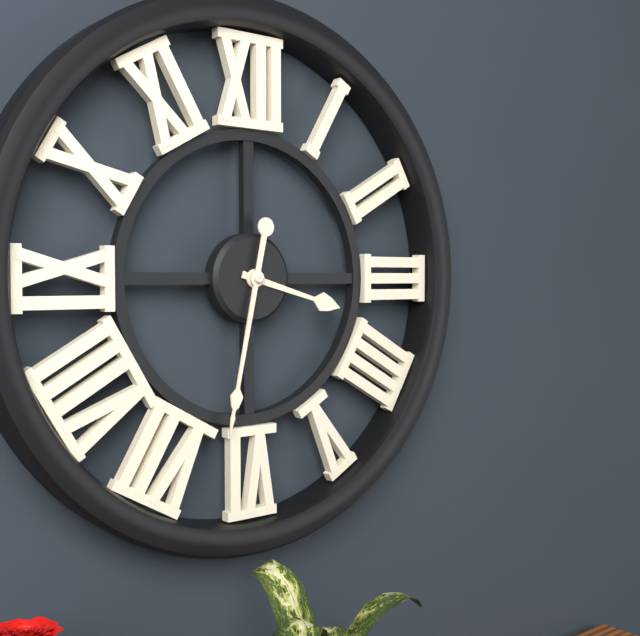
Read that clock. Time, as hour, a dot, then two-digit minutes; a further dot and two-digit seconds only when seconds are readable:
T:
3.32
